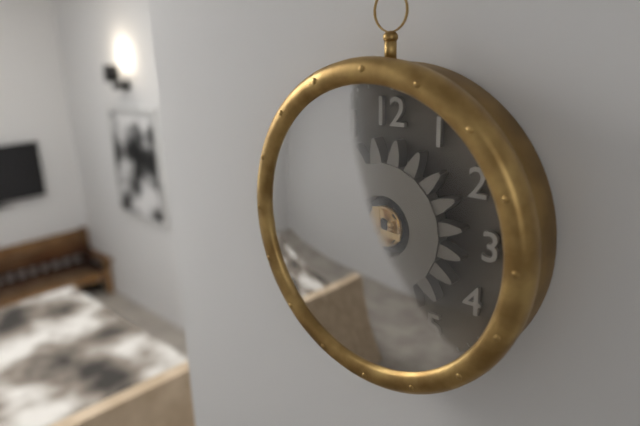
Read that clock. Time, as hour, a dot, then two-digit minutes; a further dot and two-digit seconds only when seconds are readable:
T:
5.46
